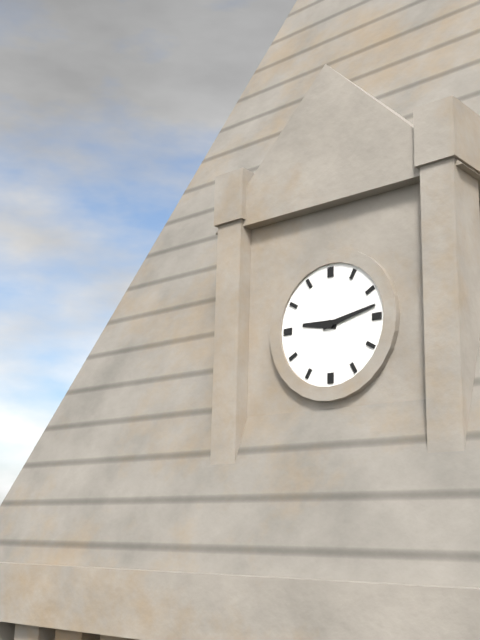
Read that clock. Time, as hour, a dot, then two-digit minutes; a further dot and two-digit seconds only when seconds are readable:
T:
9.13
